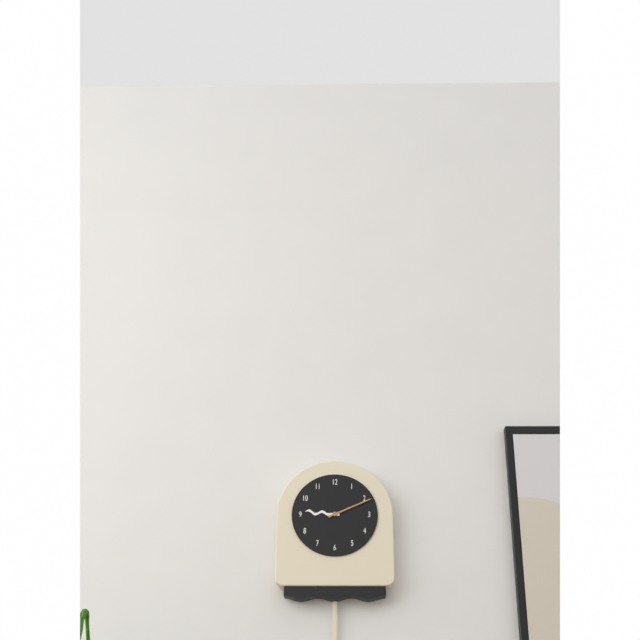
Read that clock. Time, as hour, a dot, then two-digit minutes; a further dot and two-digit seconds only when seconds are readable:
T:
9.11
